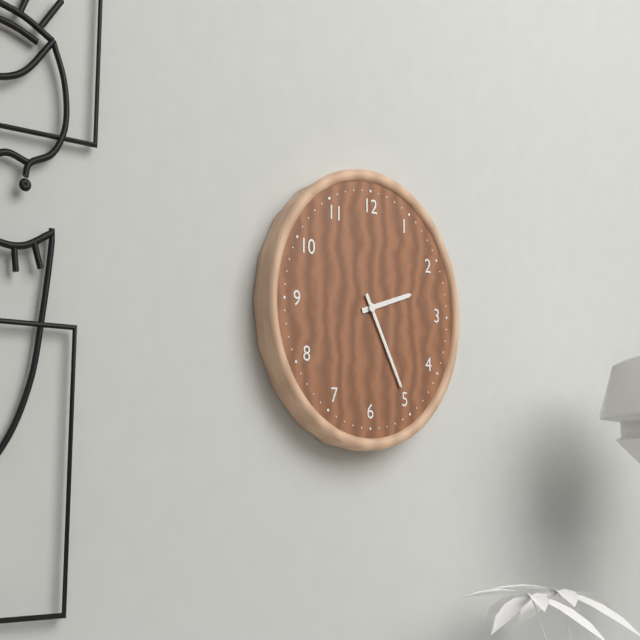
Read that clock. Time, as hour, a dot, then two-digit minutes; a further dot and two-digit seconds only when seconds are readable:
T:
2.25
